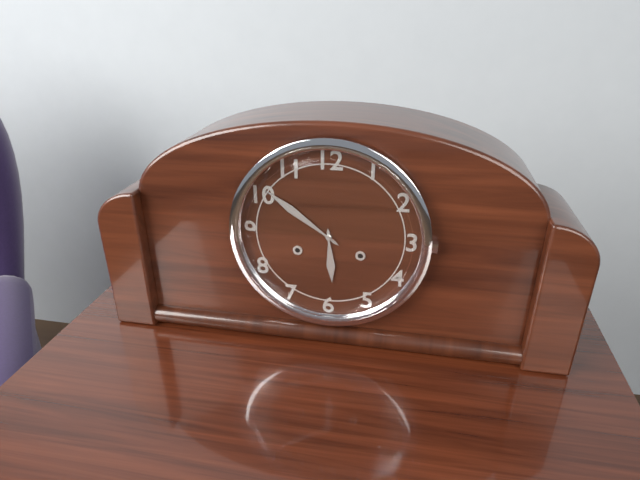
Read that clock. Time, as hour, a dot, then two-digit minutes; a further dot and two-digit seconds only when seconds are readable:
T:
5.51
